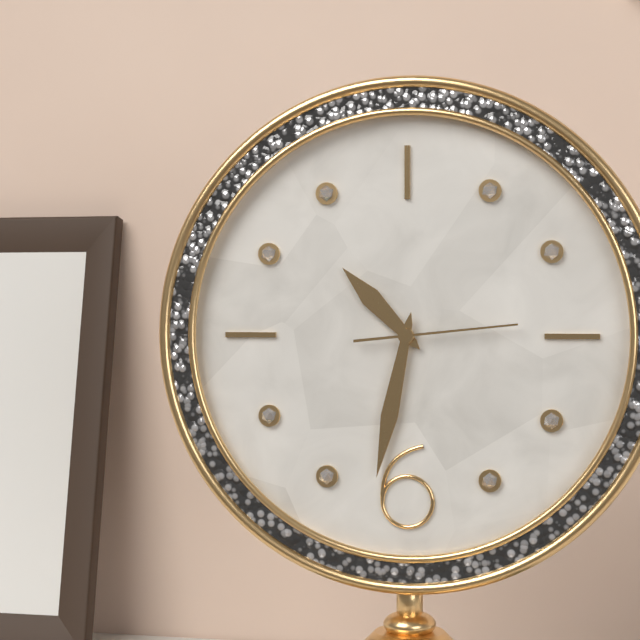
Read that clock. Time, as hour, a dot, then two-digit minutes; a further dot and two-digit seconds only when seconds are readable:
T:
10.32.14
